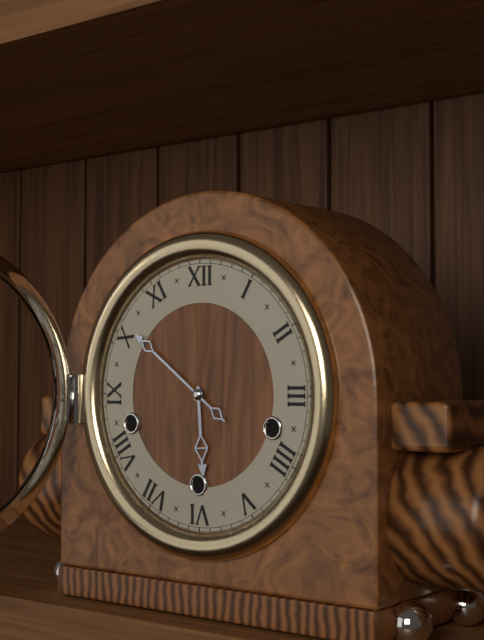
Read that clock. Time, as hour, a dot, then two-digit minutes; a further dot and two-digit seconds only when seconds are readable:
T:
5.51
